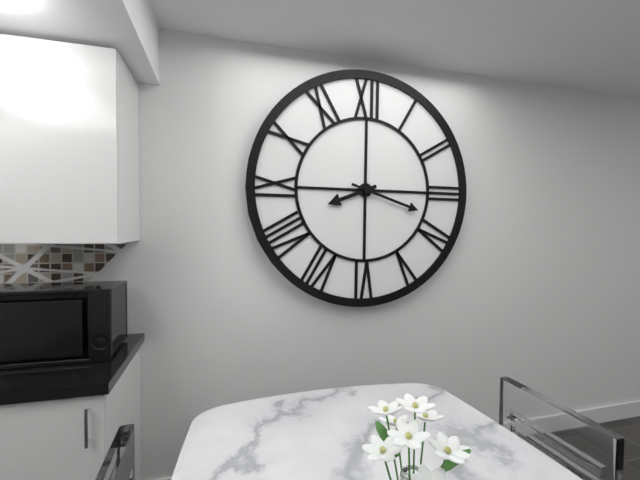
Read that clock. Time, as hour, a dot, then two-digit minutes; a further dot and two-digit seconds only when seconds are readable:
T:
8.18
